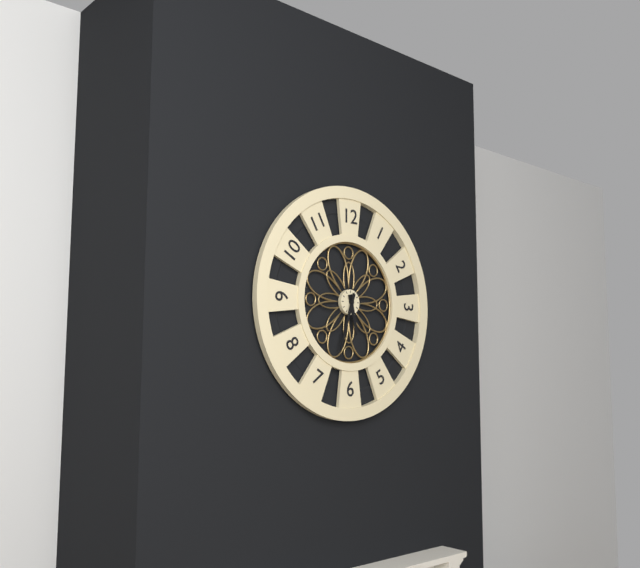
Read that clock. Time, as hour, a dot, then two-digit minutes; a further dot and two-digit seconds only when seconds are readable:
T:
5.33
